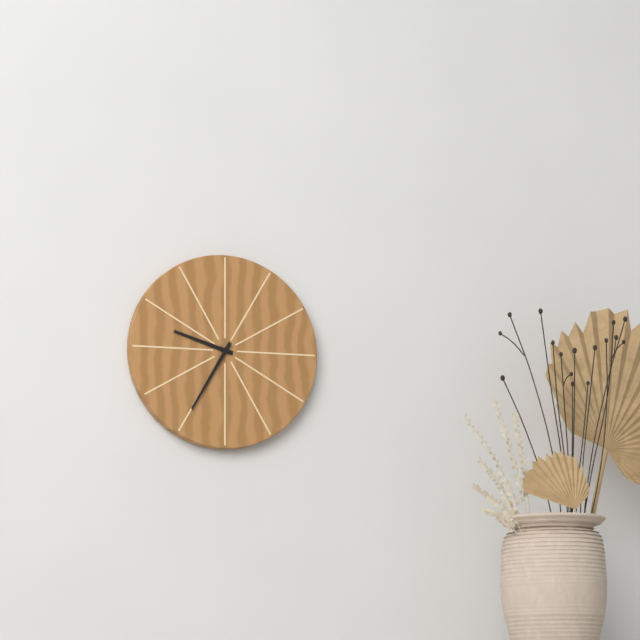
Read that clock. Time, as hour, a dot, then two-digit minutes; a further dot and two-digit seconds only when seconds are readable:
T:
9.35
